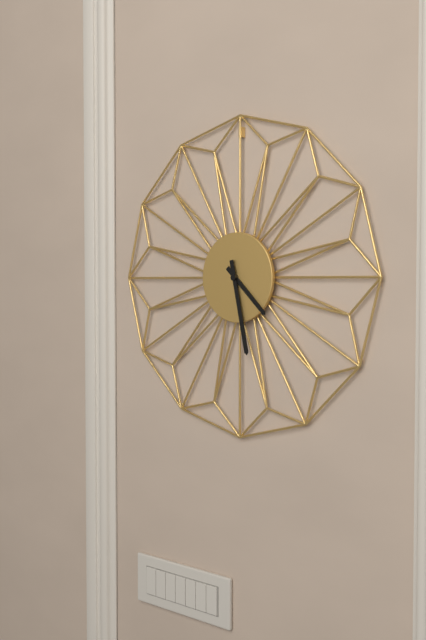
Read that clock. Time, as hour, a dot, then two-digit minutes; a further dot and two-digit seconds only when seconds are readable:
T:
4.28
